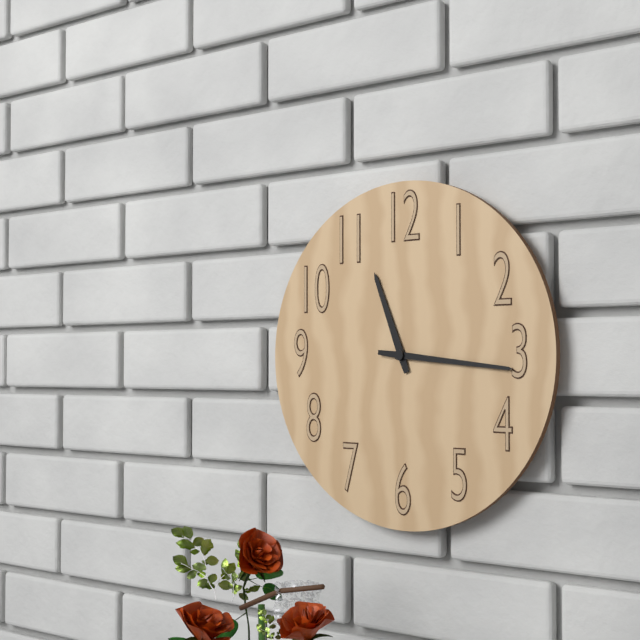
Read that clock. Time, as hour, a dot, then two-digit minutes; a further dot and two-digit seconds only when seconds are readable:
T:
11.16
